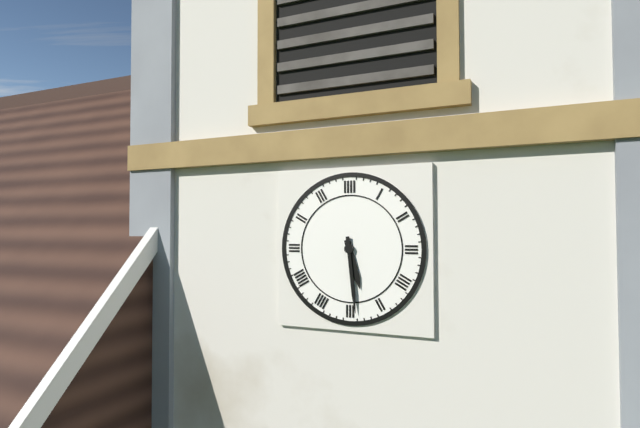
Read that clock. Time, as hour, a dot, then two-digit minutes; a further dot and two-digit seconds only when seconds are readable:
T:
5.29
